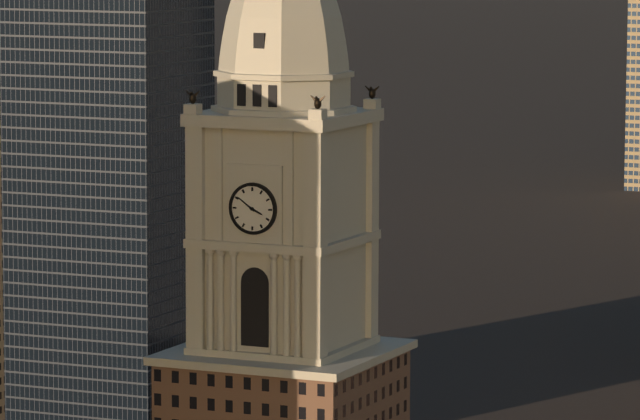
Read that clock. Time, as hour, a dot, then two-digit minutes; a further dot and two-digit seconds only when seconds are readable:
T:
3.51
